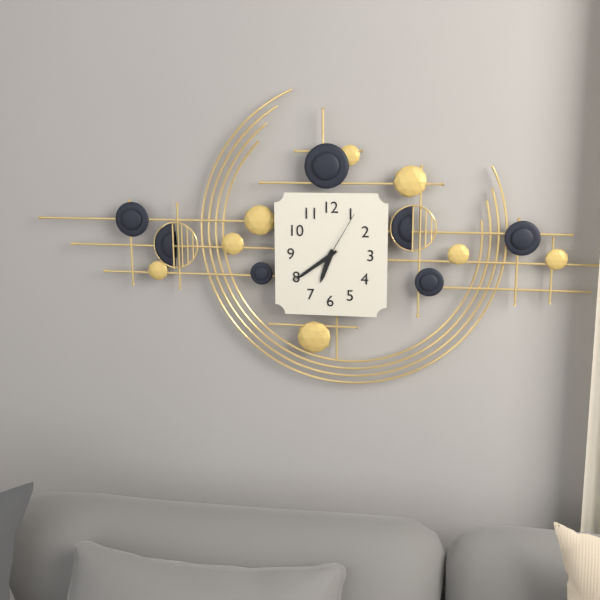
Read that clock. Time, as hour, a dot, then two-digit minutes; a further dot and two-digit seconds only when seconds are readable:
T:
6.39.05
